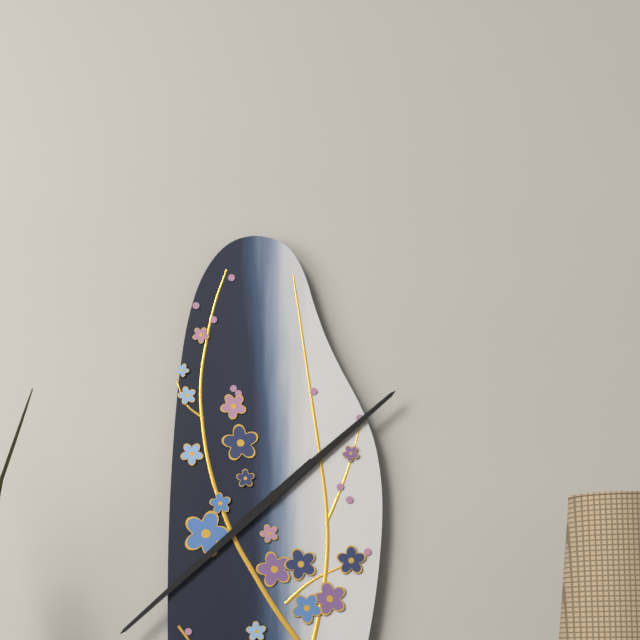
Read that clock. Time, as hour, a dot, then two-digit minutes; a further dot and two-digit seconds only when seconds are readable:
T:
1.38
